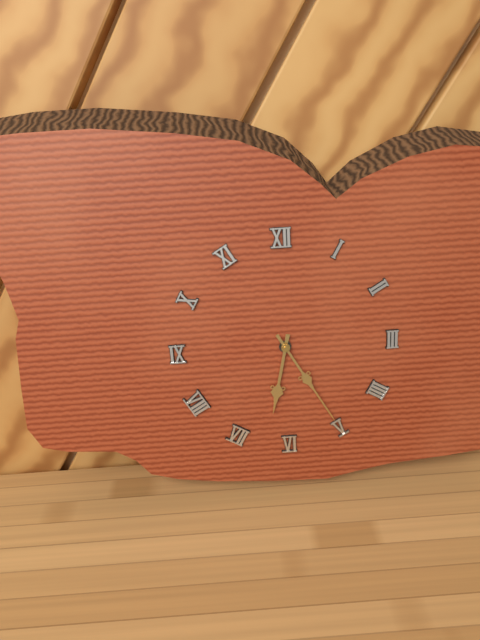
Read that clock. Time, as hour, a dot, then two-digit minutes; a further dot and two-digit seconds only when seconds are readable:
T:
6.25
